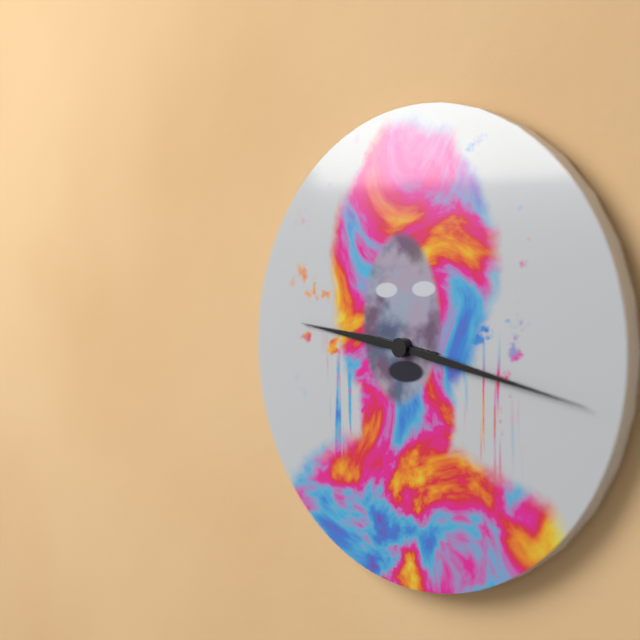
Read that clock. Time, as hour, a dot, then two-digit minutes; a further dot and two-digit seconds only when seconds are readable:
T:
9.17
